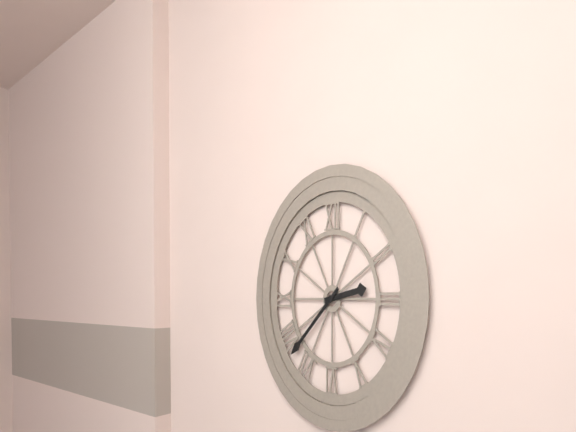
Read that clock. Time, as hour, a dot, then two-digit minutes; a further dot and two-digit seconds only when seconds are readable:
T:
2.38
